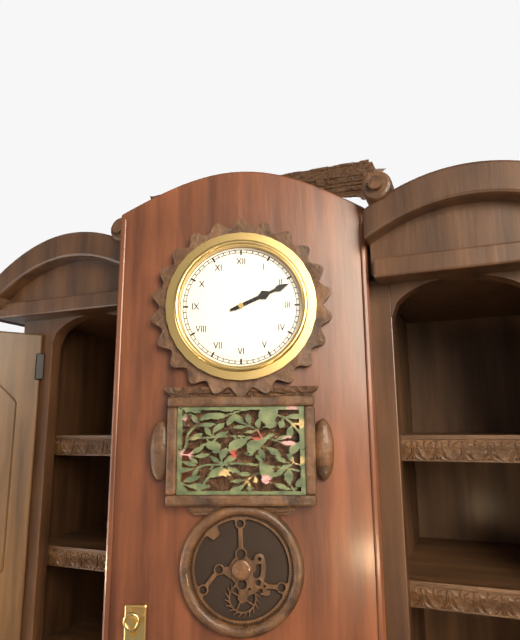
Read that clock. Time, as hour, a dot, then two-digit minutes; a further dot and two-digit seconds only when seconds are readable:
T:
2.11
